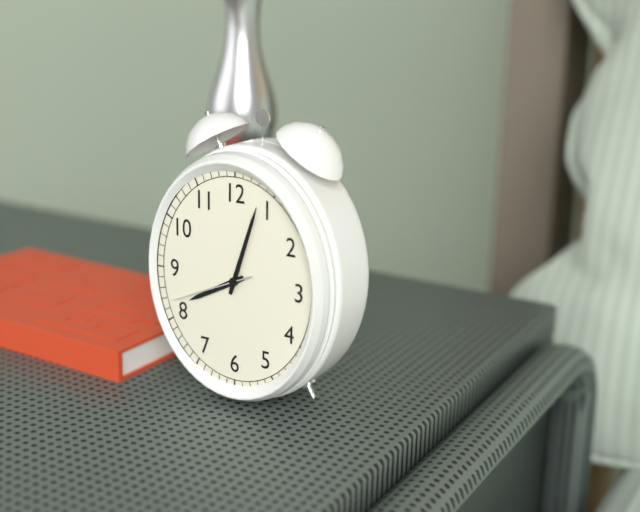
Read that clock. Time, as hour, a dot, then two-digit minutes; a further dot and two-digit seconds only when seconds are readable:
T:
8.03.41
